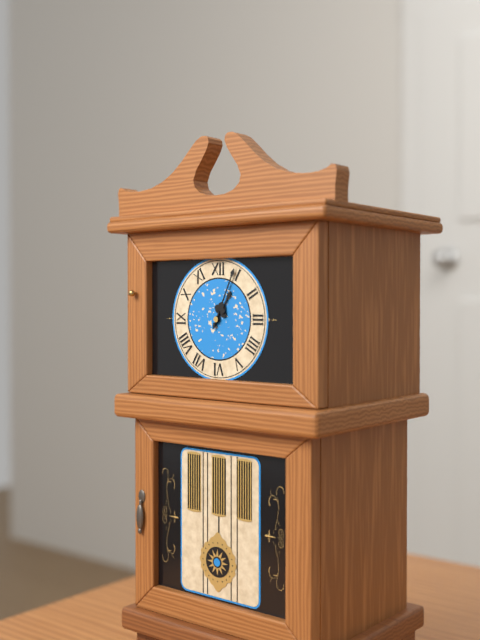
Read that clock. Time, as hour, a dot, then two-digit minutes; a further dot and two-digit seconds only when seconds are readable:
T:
1.04
